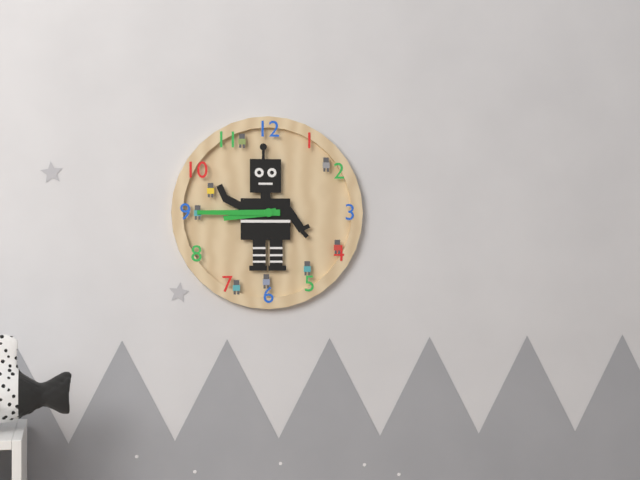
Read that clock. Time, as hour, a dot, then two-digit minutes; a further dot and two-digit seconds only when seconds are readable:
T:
8.45
